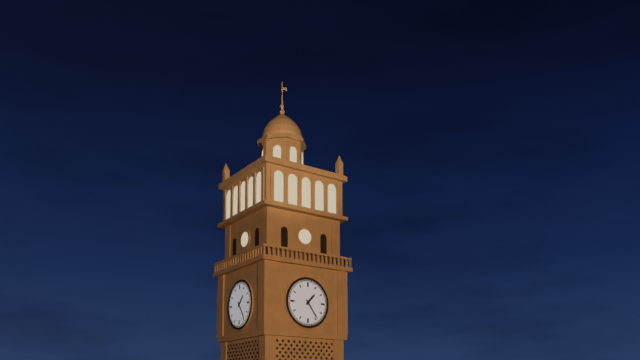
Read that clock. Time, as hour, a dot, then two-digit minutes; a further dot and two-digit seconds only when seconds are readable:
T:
1.24
